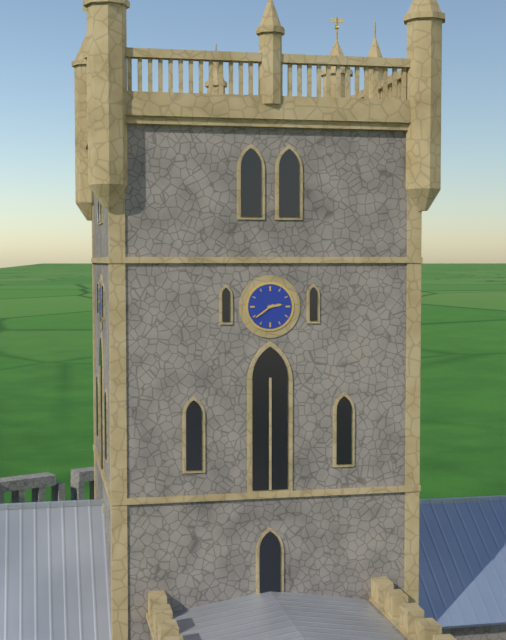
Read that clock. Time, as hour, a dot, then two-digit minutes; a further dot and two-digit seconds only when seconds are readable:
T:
2.39
